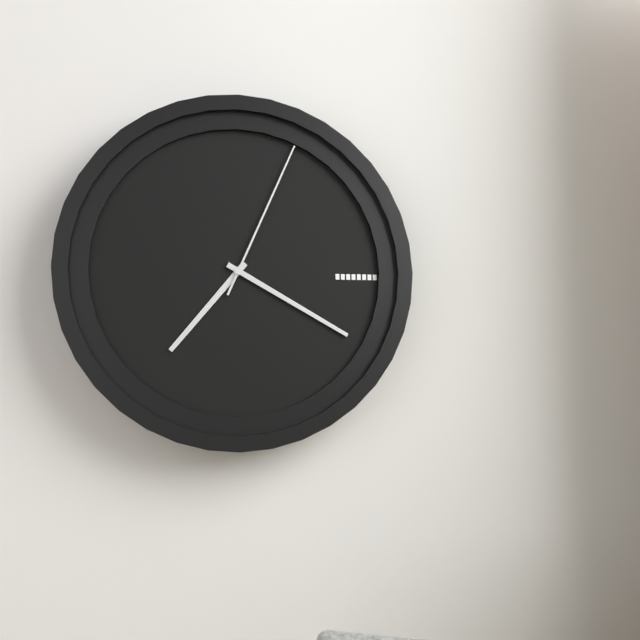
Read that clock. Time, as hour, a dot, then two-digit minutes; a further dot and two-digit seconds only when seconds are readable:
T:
7.20.04
